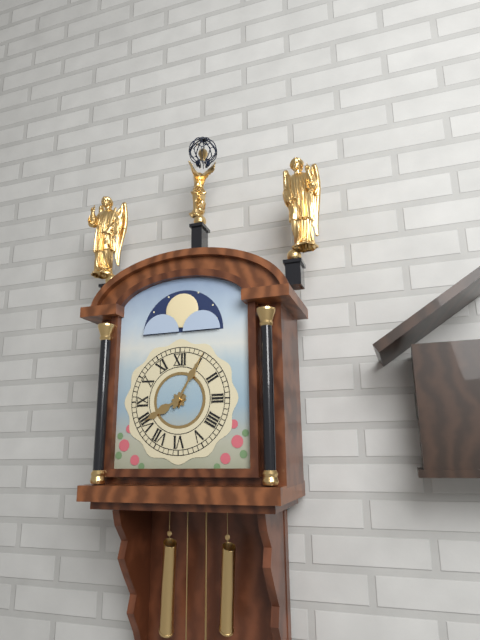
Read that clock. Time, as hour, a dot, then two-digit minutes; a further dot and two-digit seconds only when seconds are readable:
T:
8.05
